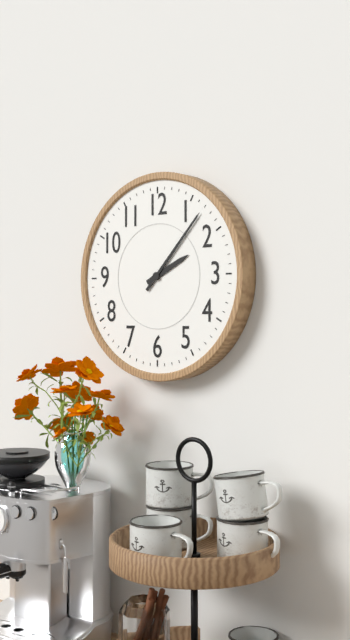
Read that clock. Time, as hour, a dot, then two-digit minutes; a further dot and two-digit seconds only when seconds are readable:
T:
2.07
